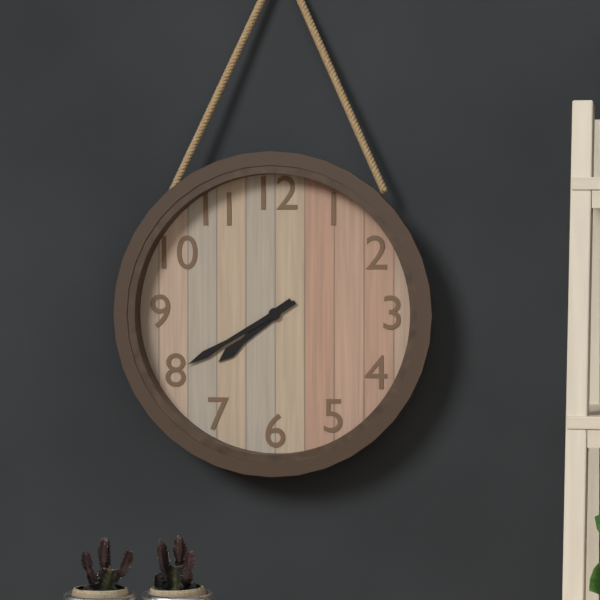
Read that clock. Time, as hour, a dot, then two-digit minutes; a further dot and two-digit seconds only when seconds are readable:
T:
7.40
